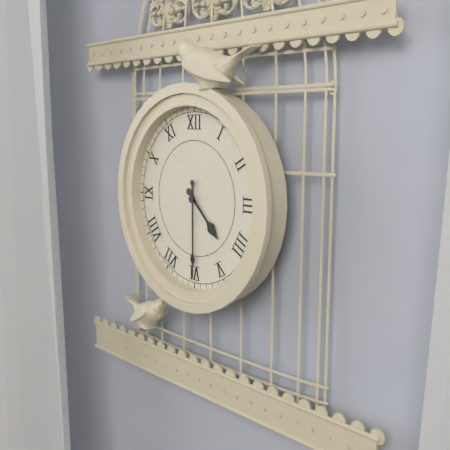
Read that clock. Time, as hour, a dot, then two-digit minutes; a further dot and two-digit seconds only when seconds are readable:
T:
4.30
